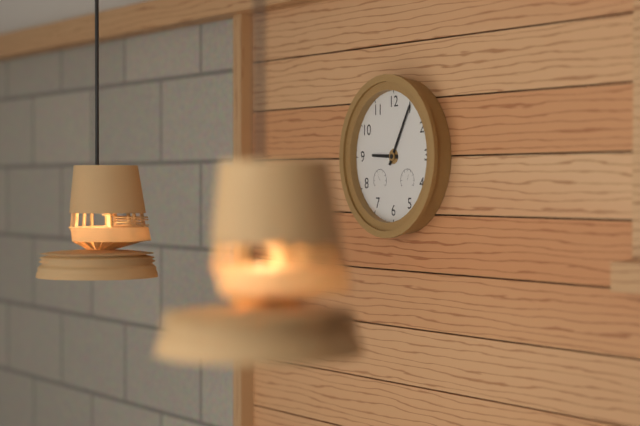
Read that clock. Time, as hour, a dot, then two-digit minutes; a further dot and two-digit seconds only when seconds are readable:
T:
9.05
